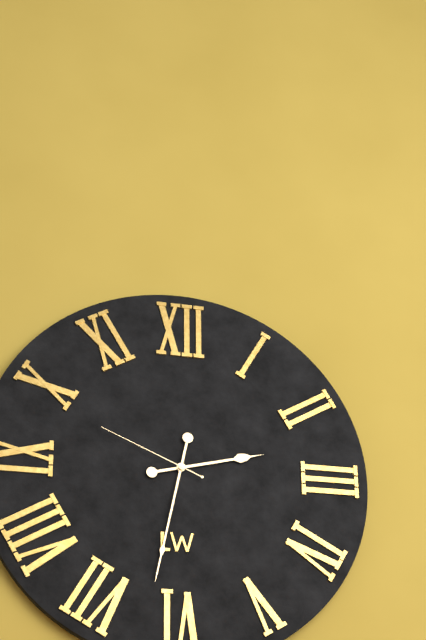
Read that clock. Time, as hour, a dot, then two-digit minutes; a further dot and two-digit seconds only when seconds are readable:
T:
2.32.49
